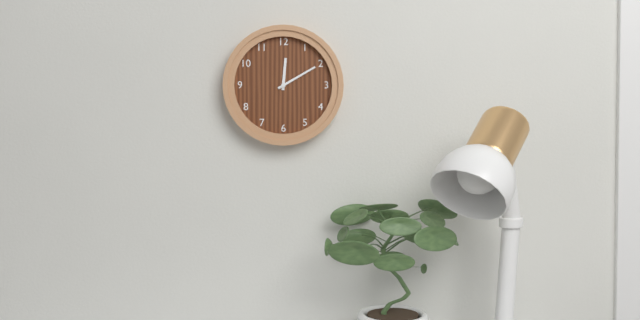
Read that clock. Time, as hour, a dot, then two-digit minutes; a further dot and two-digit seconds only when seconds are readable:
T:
12.10
